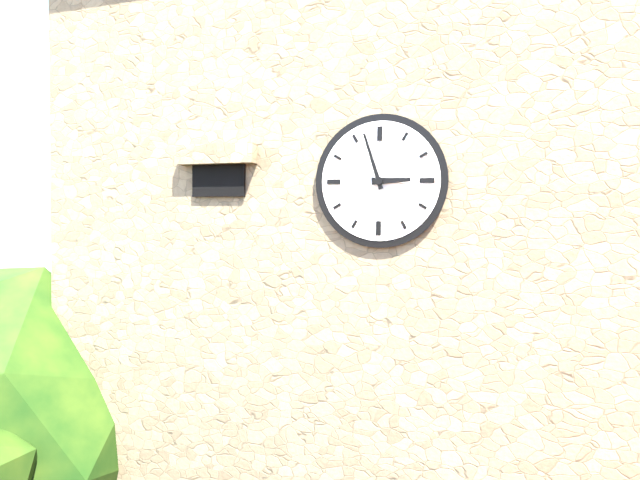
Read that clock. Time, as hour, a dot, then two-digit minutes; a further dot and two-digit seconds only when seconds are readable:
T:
2.57
